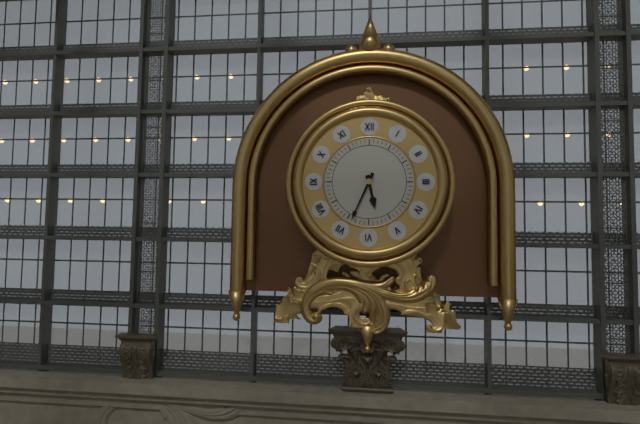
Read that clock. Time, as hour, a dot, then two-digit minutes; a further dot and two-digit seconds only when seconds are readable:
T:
5.34
